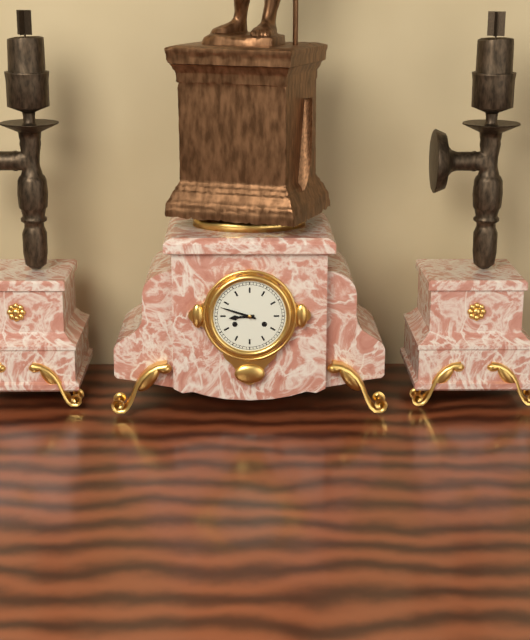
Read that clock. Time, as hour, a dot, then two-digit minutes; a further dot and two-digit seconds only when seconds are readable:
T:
8.48
